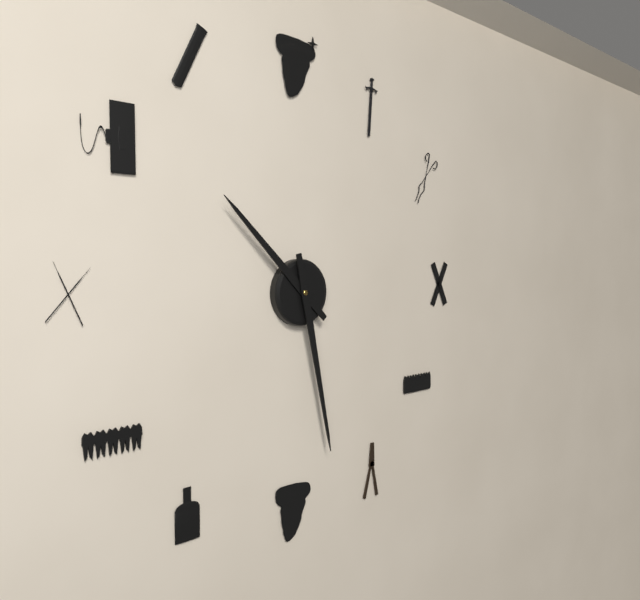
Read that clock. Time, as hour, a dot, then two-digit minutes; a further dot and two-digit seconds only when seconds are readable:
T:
10.28
